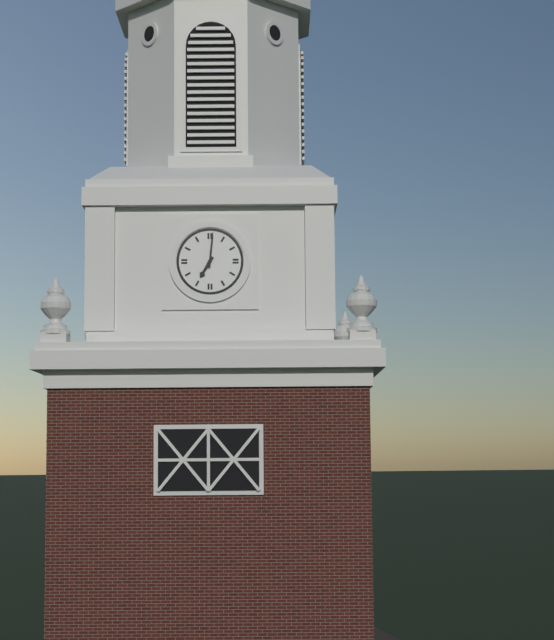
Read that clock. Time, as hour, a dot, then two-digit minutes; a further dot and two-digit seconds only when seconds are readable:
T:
7.01
